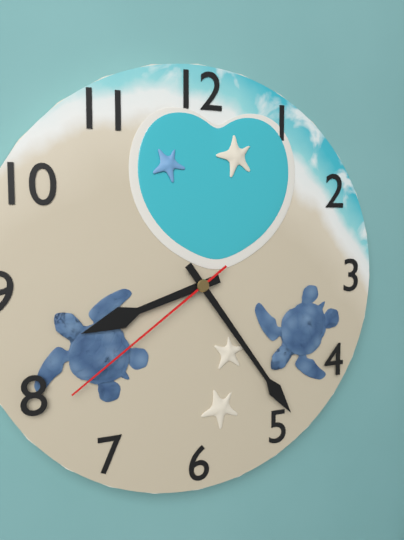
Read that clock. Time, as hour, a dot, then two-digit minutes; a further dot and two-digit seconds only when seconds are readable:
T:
8.24.39
